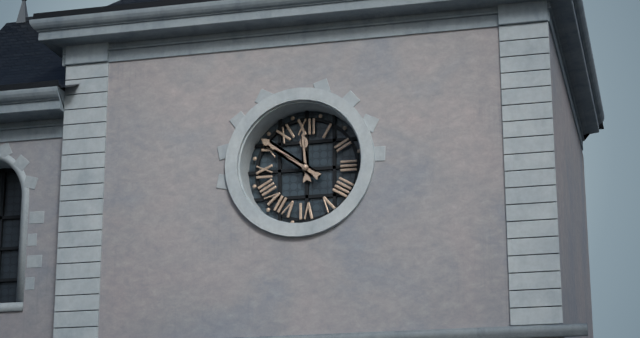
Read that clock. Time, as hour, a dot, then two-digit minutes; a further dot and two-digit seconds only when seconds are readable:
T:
11.51
